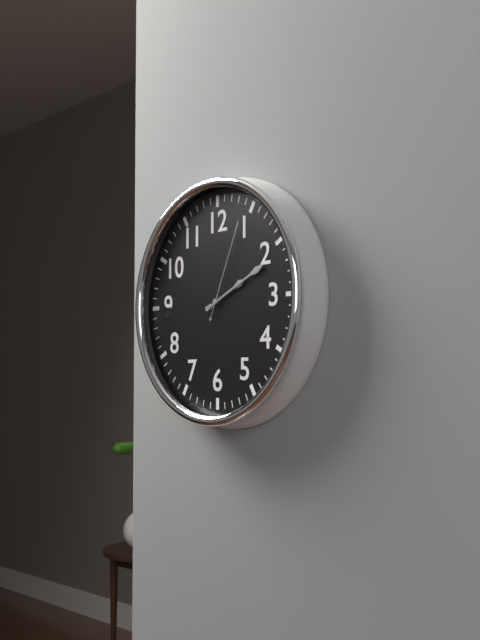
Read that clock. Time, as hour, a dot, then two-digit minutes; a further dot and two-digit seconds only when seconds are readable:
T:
2.11.04
